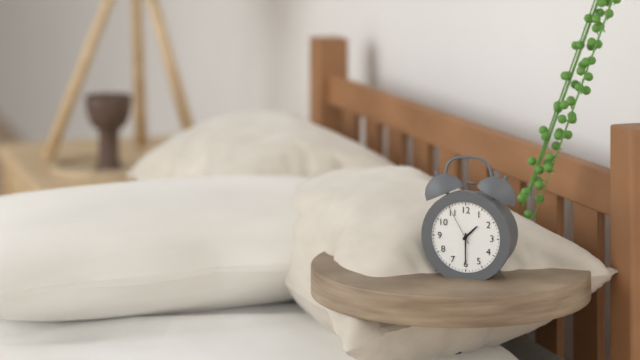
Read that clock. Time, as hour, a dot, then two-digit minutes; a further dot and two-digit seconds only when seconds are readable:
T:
1.30
